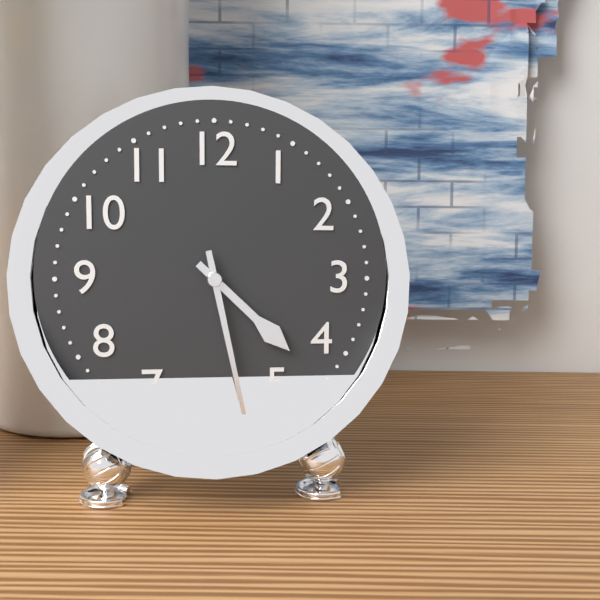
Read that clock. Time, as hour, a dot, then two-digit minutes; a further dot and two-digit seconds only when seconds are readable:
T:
4.28
